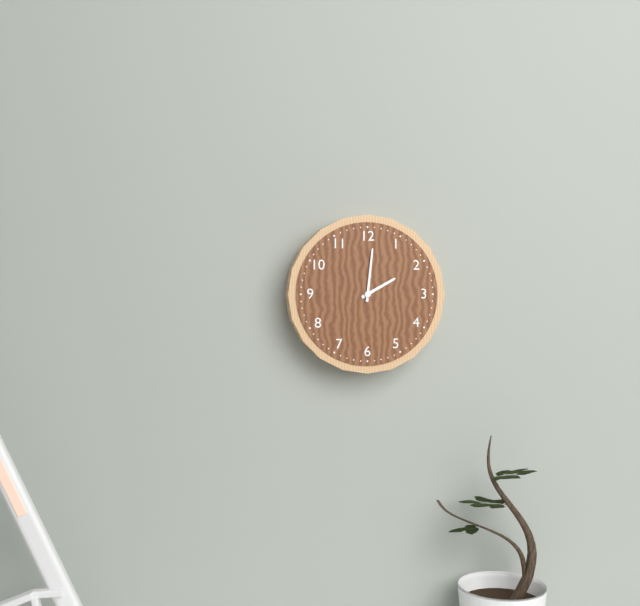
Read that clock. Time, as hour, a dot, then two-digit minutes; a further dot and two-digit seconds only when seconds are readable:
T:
2.01
